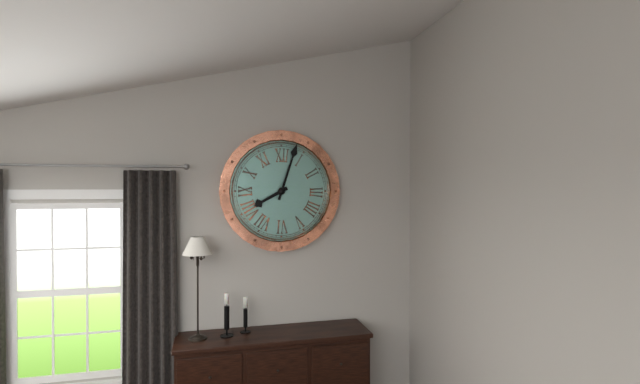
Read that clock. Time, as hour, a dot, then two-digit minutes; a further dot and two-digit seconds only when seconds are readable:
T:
8.03
